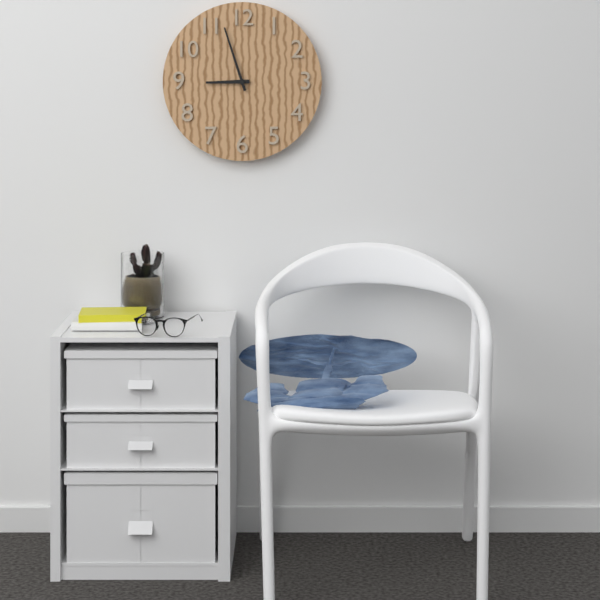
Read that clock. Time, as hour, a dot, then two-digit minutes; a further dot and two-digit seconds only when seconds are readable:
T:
8.57
